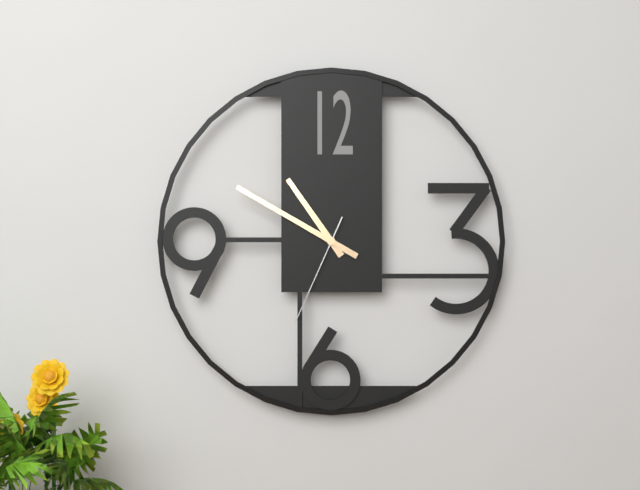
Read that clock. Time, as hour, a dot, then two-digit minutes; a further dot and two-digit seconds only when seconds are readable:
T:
10.50.34
